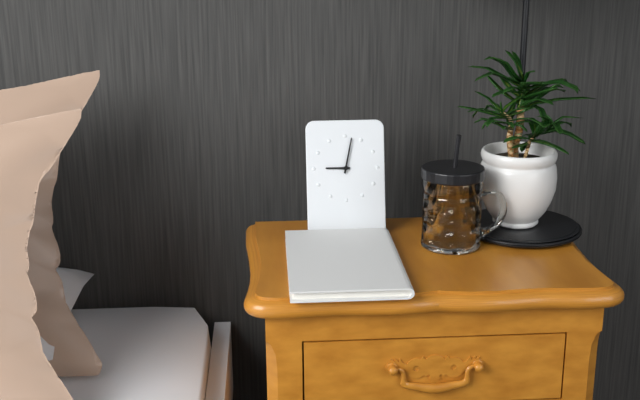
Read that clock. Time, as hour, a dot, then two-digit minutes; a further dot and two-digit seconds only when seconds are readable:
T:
9.02
